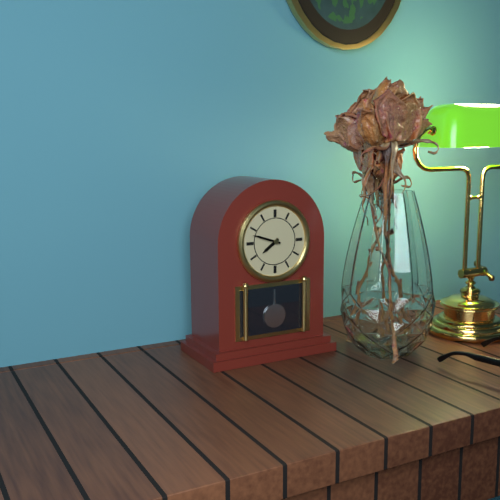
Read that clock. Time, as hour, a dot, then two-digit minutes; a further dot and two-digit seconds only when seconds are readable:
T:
7.48
